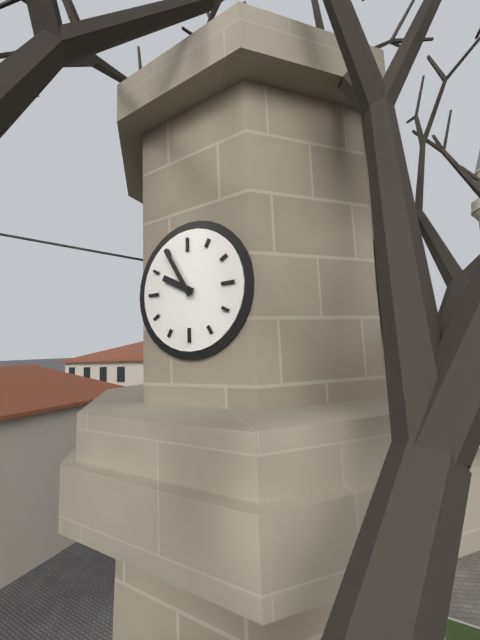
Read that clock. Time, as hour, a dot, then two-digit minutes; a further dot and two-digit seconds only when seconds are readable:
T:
9.55
